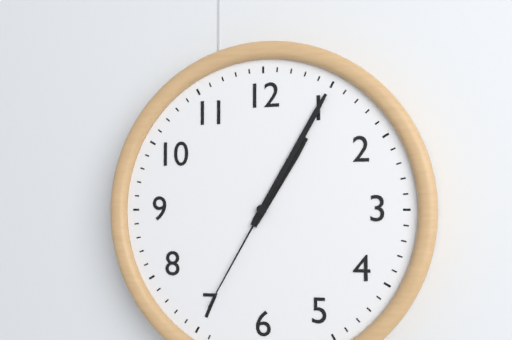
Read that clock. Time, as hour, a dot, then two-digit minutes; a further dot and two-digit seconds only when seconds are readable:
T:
1.05.35
